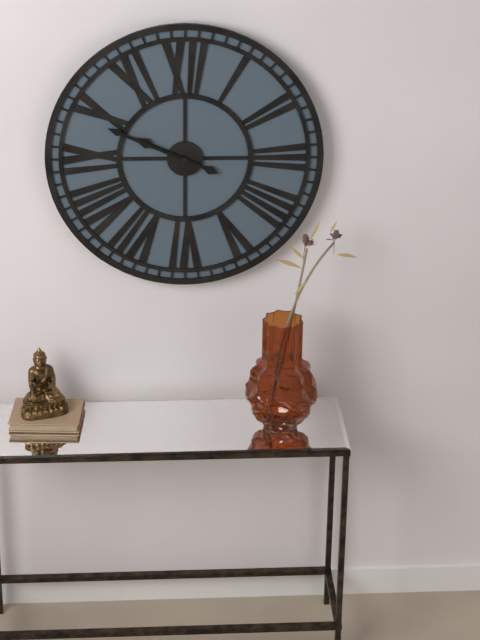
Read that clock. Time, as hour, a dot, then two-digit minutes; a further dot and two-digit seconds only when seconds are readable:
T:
9.49
